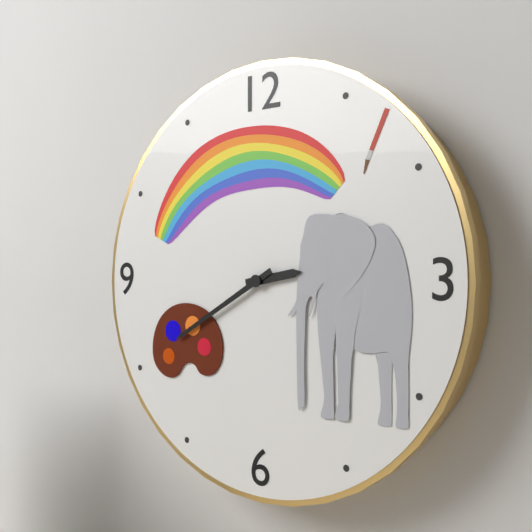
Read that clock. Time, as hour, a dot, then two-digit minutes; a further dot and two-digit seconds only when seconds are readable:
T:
2.40
